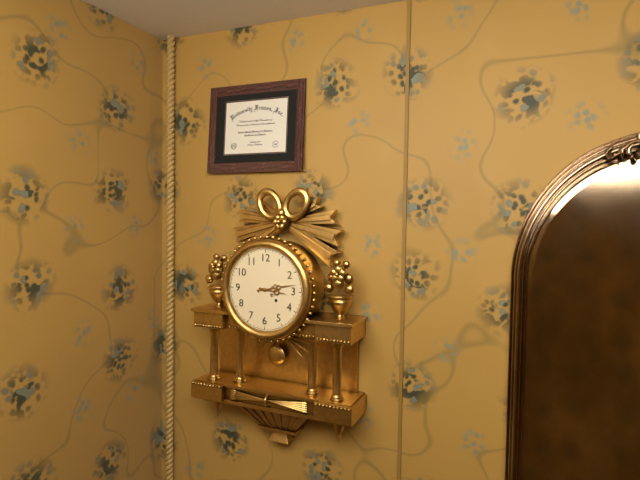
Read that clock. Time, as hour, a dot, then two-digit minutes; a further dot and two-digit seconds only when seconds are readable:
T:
3.13
